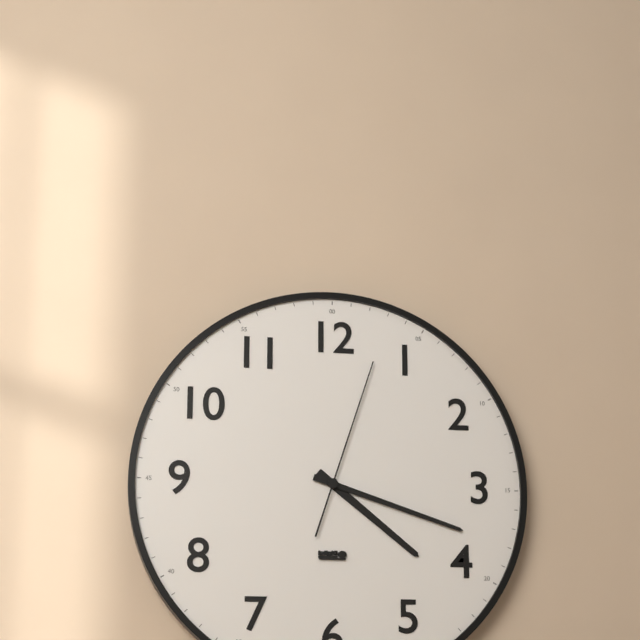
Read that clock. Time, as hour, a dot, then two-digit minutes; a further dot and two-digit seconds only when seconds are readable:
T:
4.18.03
